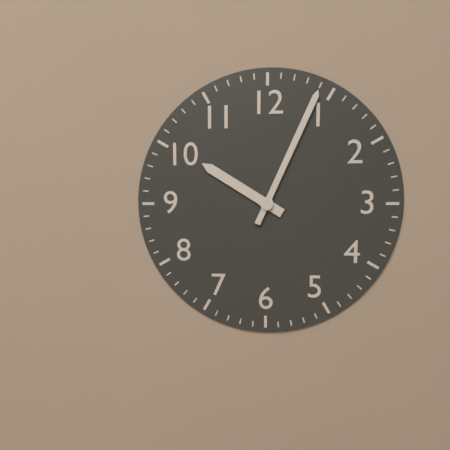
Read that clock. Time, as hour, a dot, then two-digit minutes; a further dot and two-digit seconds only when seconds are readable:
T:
10.04
